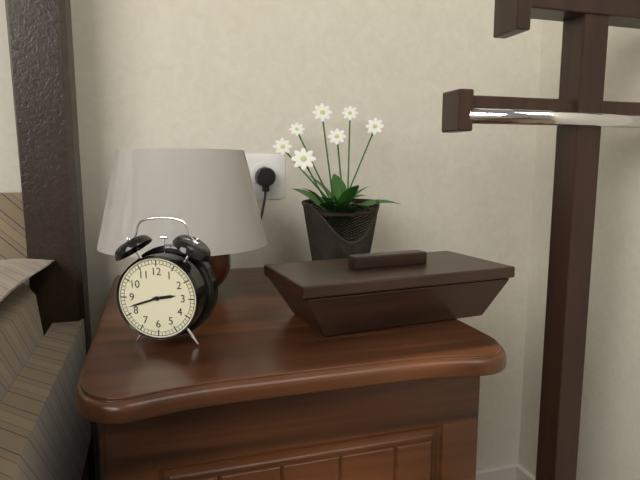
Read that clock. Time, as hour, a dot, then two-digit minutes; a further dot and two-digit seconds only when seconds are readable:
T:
2.42
